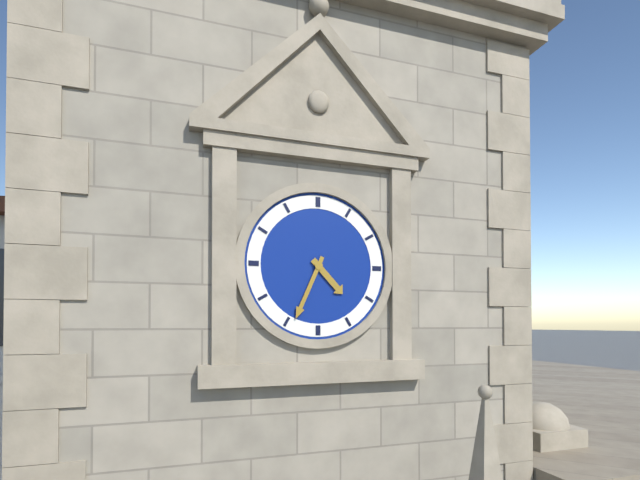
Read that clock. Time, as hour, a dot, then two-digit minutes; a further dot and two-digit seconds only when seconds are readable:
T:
4.34
